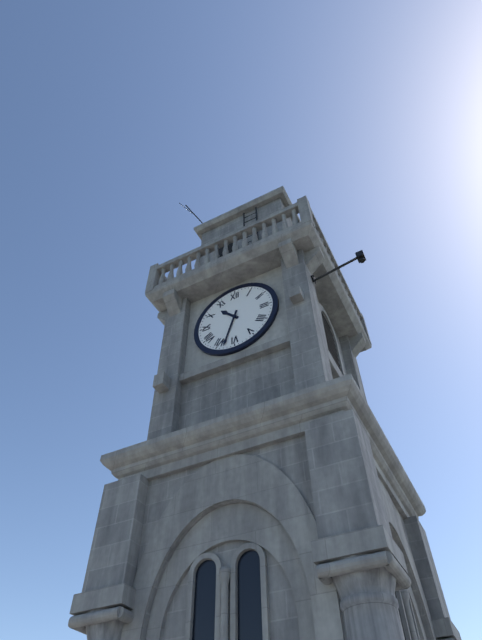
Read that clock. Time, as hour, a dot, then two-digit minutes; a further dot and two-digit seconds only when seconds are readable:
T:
10.33
